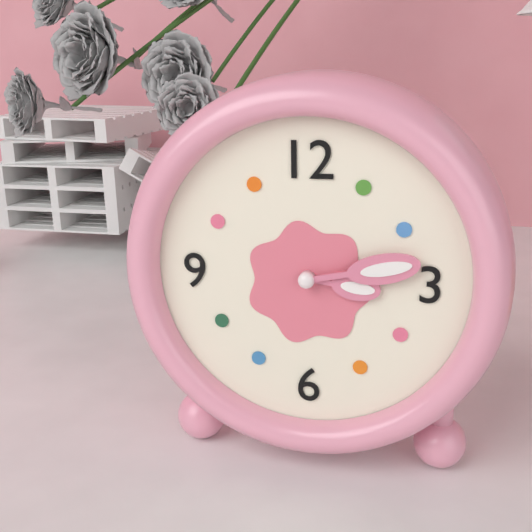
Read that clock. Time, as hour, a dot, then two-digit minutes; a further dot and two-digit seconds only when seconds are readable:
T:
3.13
